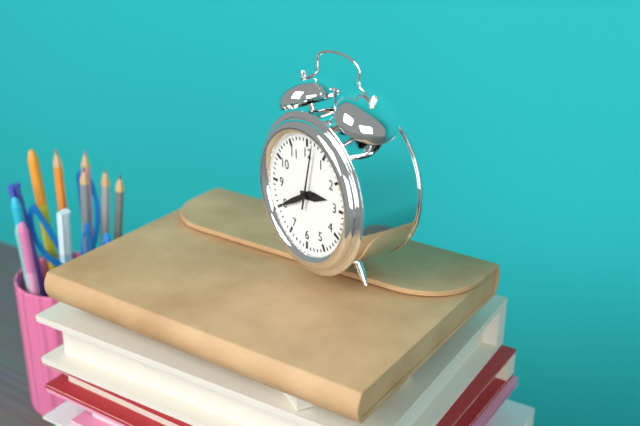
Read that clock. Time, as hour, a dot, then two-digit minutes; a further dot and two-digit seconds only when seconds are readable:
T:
2.40.02
